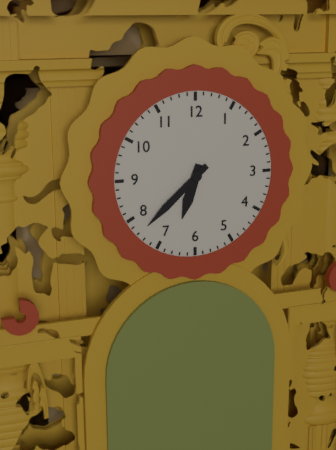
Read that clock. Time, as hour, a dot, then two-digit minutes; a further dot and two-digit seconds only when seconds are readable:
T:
6.38
